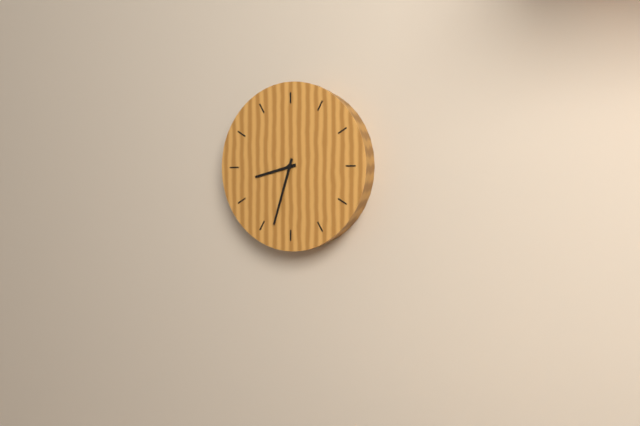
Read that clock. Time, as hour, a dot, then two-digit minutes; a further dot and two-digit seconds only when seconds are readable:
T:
8.33
